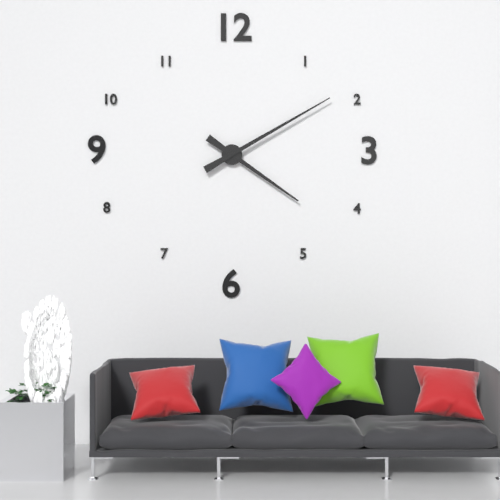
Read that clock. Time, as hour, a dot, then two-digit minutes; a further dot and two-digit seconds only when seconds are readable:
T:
4.10
